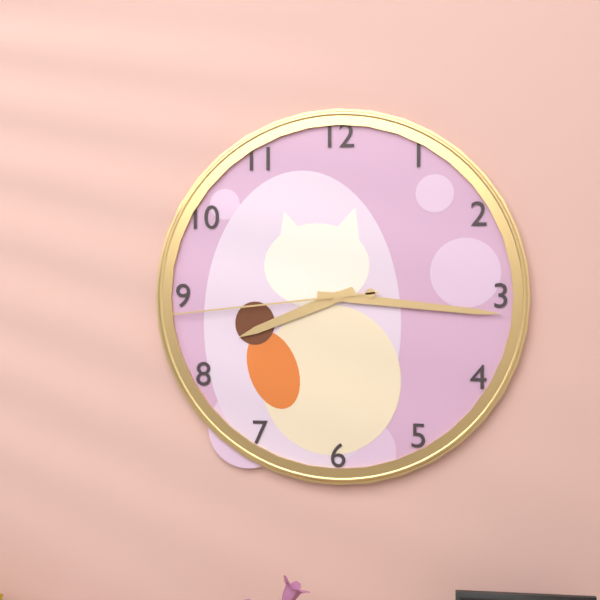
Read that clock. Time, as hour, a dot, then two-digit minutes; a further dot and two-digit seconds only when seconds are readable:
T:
8.16.44
